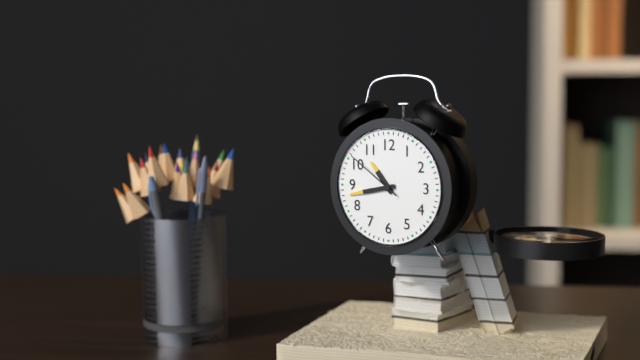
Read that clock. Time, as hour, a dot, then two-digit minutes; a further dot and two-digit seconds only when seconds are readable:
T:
10.43.51
